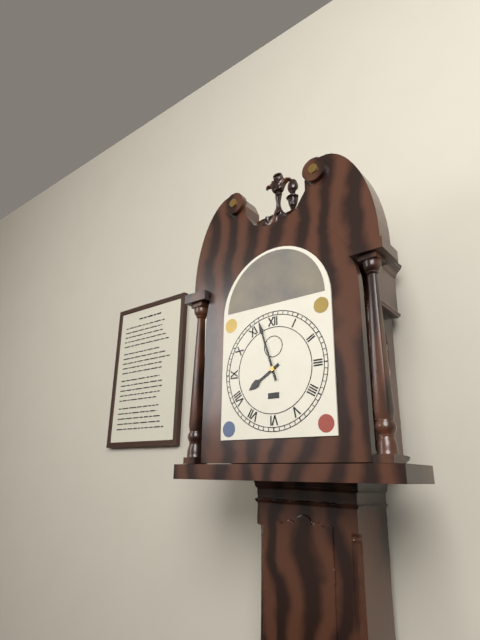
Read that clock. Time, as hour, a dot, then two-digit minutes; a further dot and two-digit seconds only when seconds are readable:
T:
7.57
